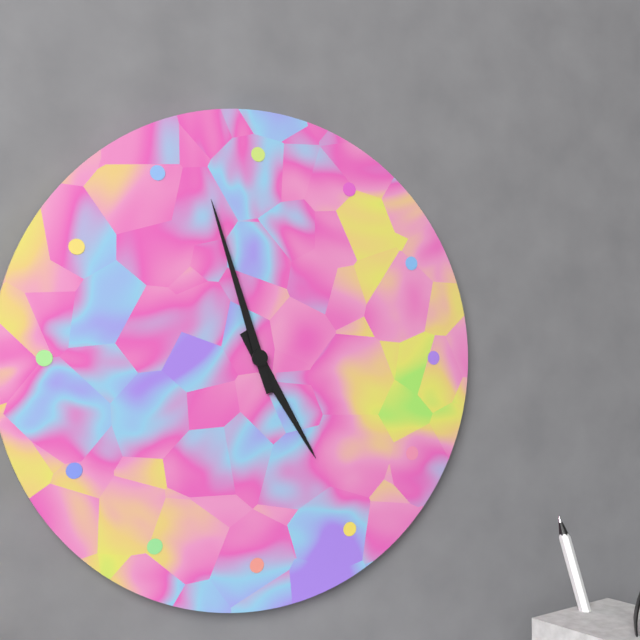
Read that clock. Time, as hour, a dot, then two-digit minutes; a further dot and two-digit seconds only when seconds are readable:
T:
4.57
